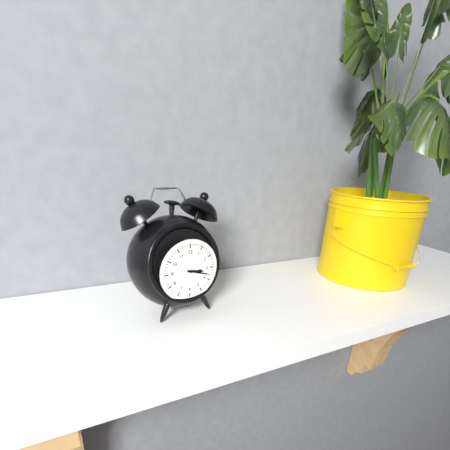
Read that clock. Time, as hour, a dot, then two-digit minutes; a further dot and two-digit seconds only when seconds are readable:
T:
3.18
